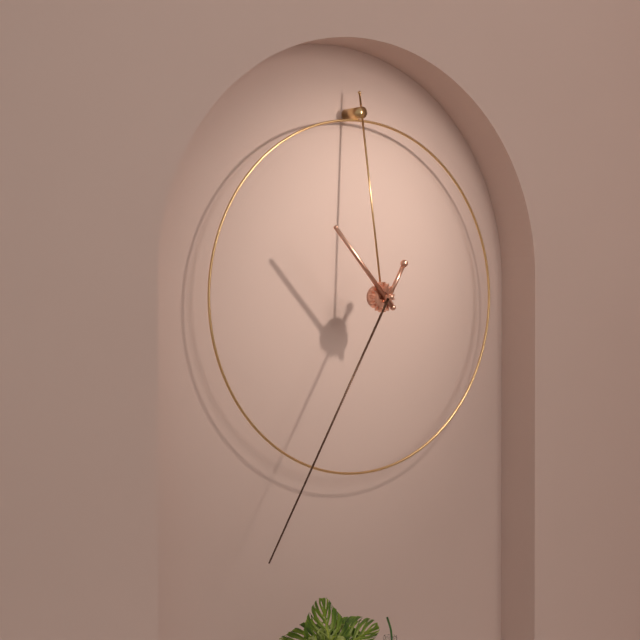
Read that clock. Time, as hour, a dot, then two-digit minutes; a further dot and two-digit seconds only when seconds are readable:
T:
10.35
